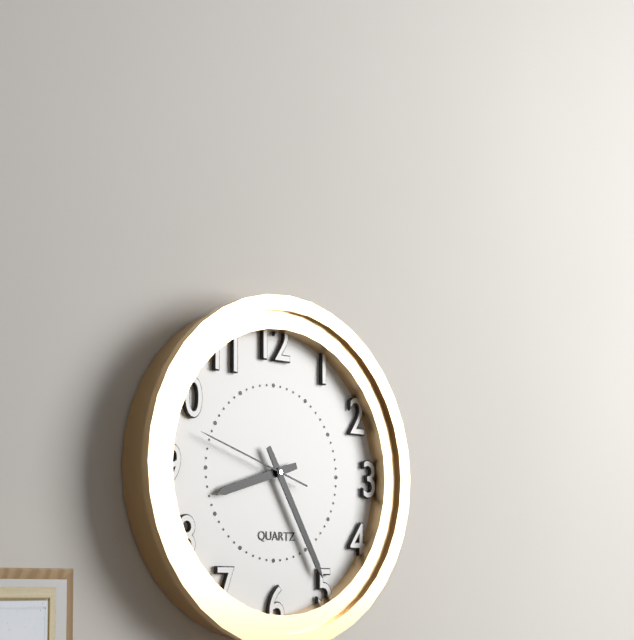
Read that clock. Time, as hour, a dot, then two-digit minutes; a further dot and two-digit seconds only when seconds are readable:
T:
8.25.48
